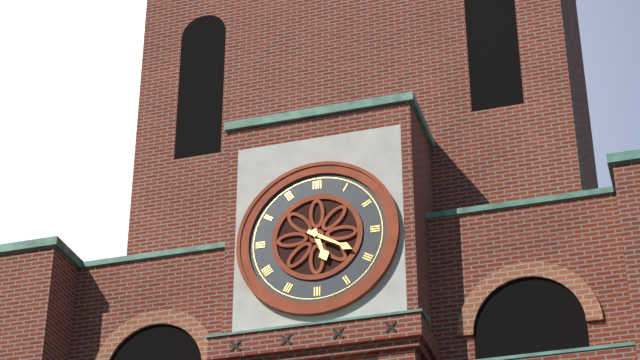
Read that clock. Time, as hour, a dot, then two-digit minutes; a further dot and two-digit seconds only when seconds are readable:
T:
5.20
